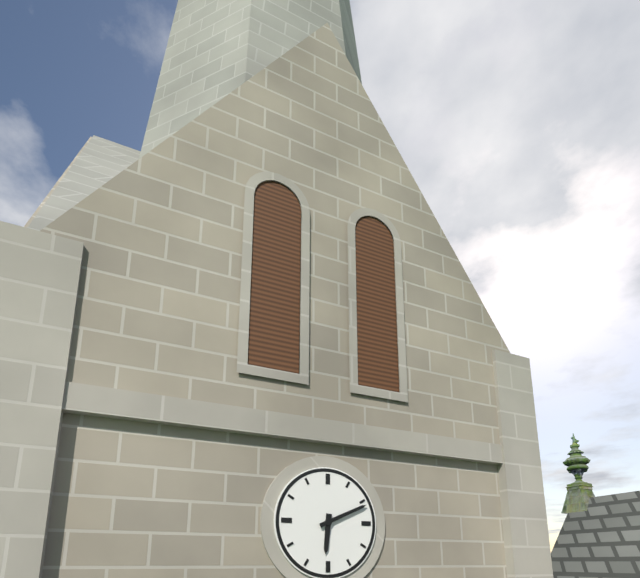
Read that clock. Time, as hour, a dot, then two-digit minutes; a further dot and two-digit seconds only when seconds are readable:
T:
6.11
